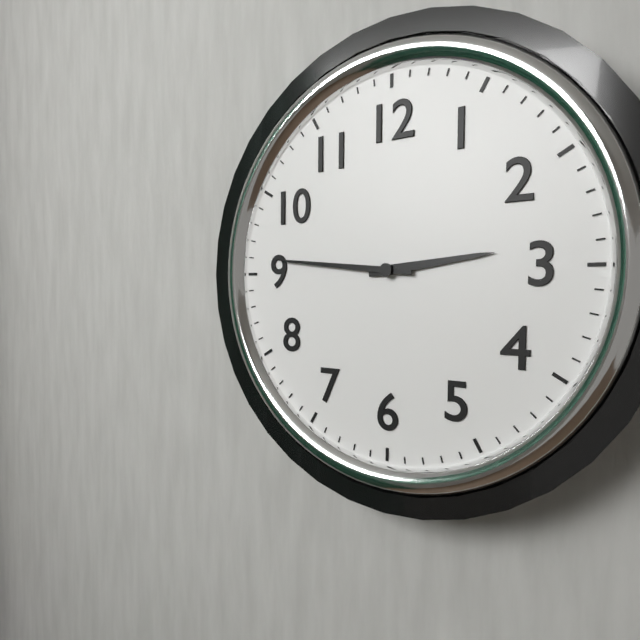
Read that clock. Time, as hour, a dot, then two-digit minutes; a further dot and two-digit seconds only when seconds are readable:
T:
2.46
